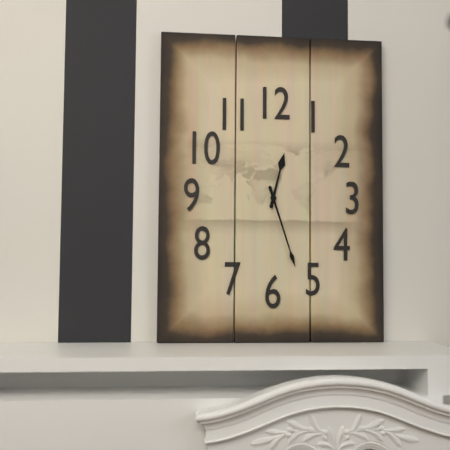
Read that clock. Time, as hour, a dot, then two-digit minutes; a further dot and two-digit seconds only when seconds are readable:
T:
12.27
